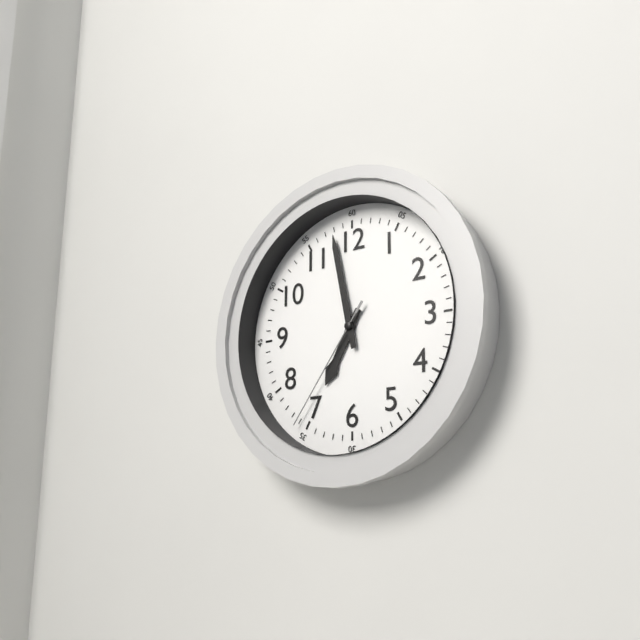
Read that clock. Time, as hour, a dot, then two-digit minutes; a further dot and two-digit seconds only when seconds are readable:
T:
6.58.36
